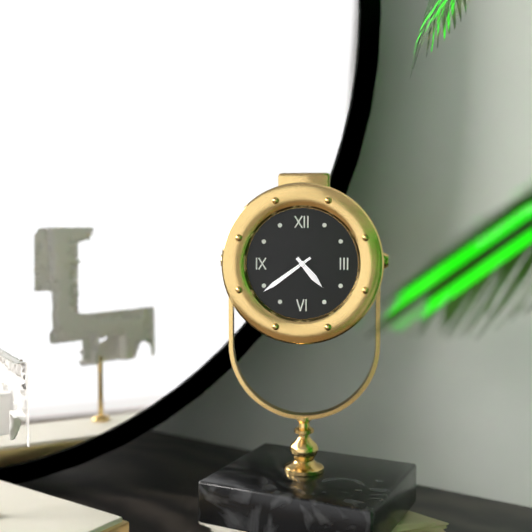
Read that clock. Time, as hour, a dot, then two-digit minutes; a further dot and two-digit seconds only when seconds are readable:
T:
4.39
